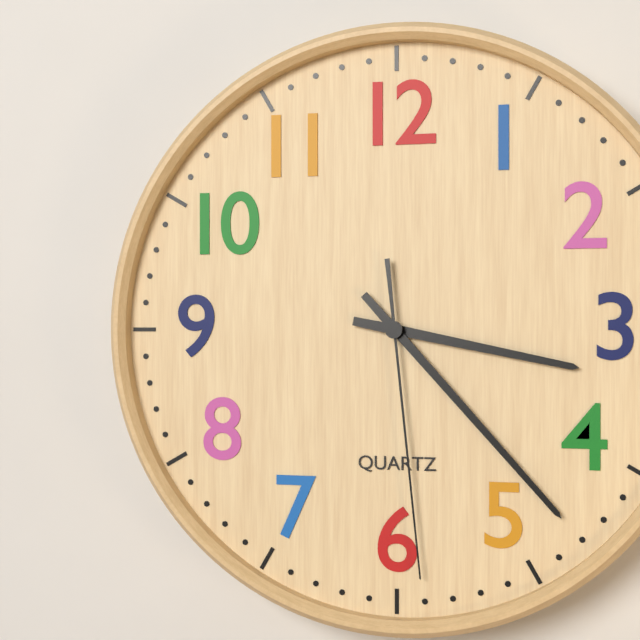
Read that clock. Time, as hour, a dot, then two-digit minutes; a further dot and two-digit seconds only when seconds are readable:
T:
3.23.29
